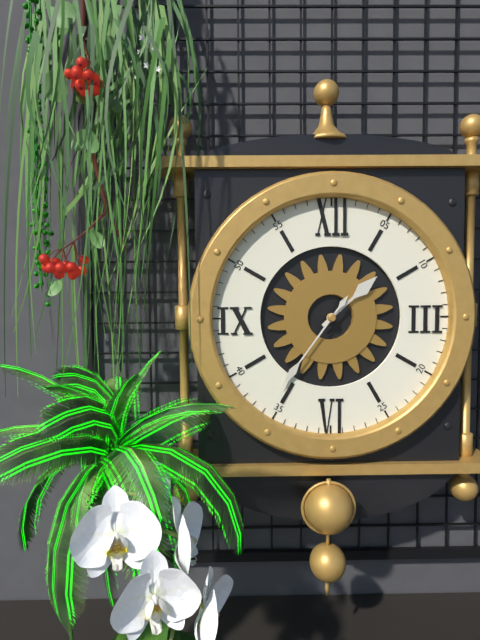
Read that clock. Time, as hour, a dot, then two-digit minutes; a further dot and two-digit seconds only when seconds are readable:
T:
1.36
